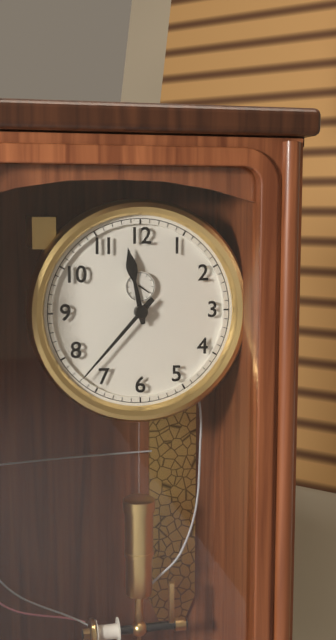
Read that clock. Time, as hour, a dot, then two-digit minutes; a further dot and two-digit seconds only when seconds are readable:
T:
11.37
